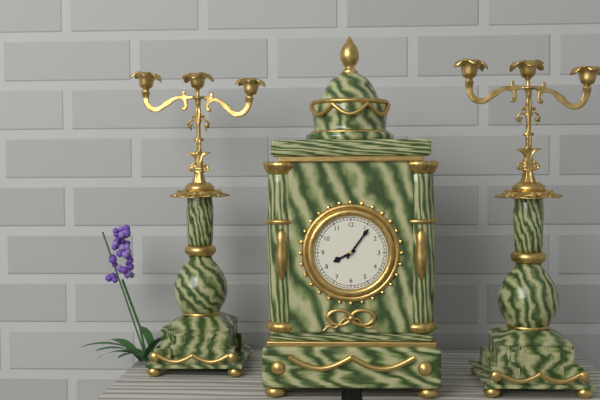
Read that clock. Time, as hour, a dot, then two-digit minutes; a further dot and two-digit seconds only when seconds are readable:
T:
8.06
